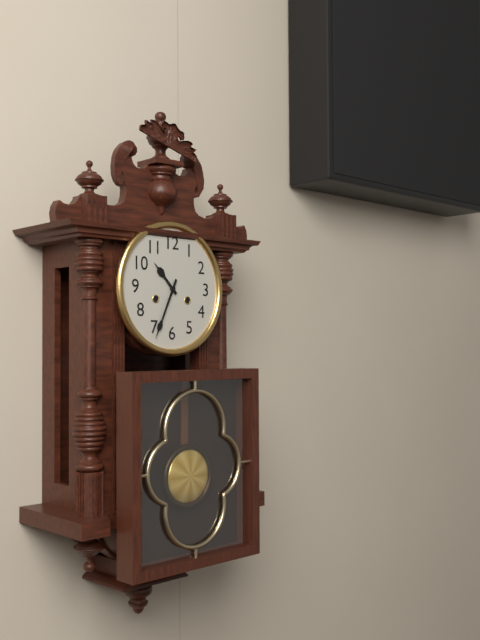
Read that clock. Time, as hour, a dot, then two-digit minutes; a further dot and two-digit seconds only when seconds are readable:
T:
10.34
